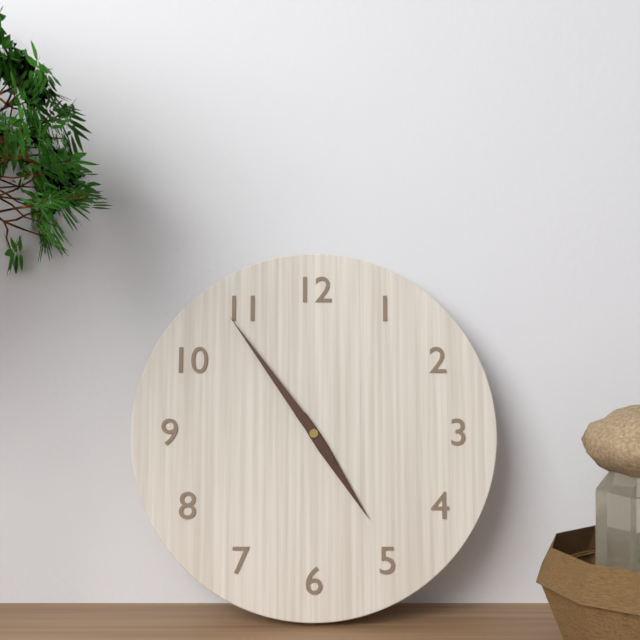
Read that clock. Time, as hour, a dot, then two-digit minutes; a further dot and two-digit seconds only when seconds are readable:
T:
4.54
